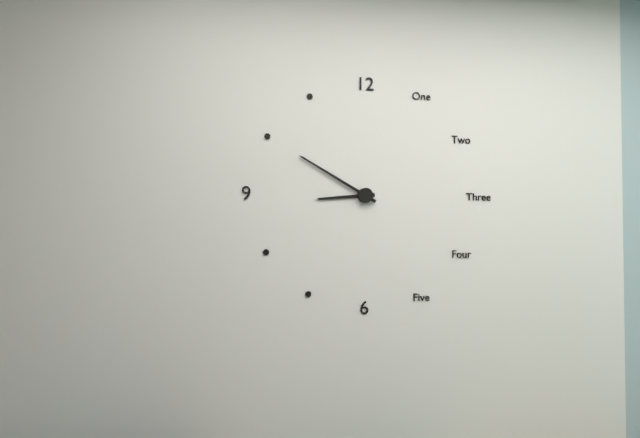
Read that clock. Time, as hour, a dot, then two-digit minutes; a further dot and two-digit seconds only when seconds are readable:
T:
8.50
